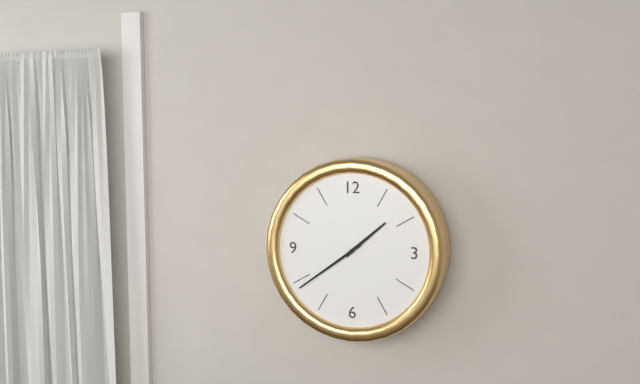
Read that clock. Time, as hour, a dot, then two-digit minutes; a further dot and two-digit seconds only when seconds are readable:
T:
1.39
